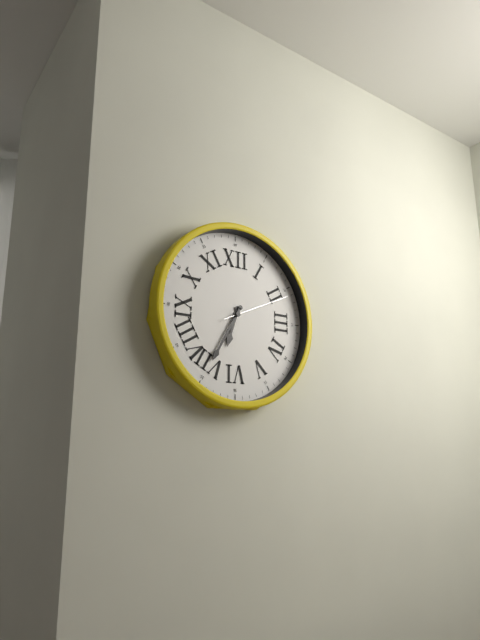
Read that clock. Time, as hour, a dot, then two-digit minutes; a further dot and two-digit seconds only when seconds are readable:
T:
6.35.11
